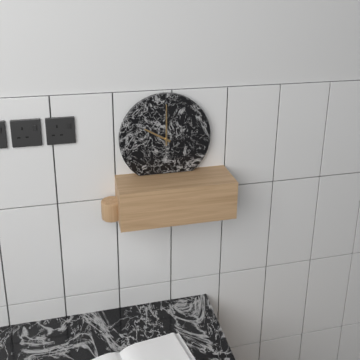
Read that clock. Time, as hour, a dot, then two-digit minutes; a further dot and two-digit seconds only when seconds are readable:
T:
10.00
